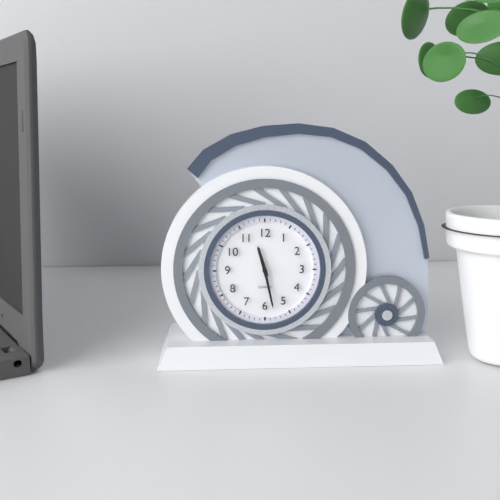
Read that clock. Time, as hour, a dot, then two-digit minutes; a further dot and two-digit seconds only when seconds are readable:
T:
11.28
